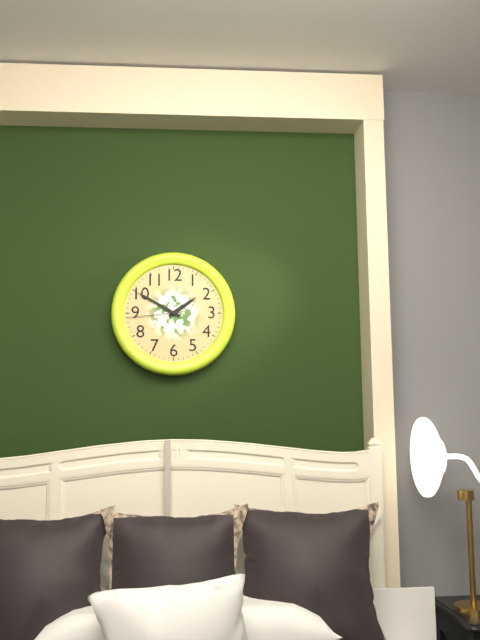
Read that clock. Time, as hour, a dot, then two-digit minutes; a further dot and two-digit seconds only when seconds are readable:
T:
1.50.44
